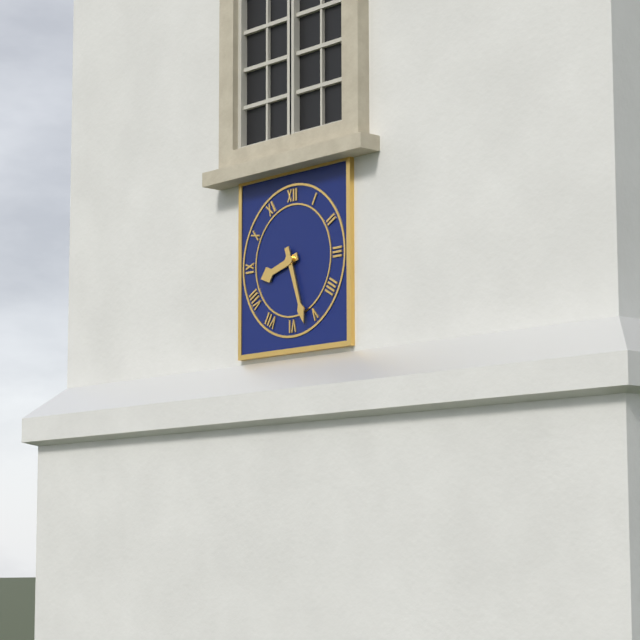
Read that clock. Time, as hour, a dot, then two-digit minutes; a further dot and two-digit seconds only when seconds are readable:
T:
8.27
